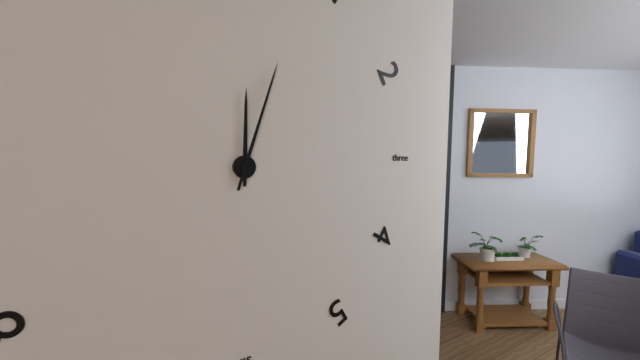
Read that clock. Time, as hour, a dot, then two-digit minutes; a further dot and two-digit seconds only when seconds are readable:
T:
12.03
